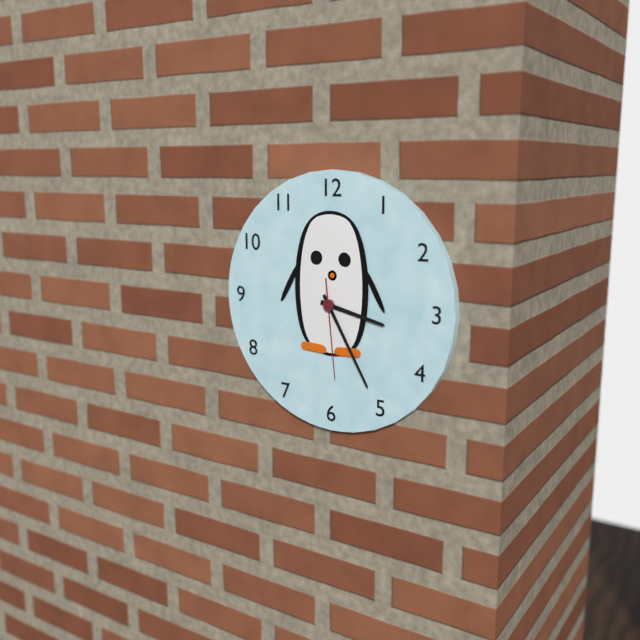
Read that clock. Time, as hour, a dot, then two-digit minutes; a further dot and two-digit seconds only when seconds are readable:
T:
3.25.29
